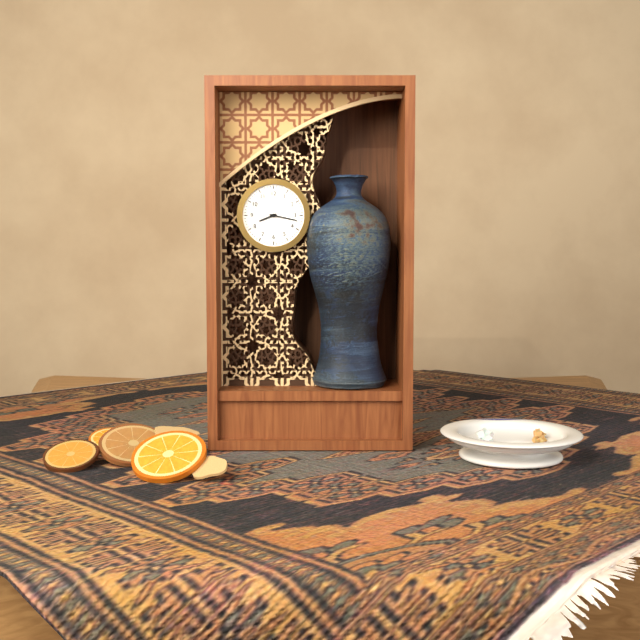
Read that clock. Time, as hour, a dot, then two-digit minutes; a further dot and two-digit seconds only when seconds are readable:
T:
8.17
